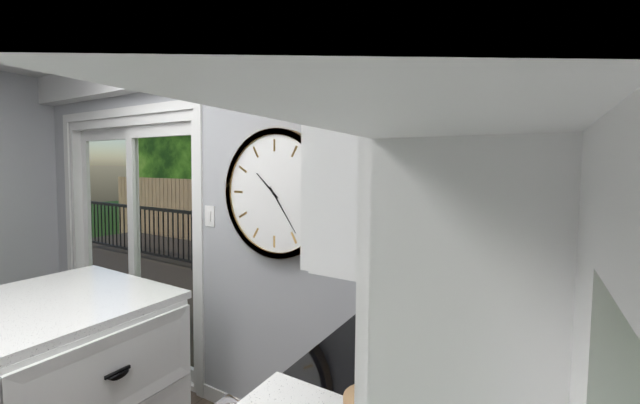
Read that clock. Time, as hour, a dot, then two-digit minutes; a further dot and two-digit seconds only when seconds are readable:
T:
10.24
